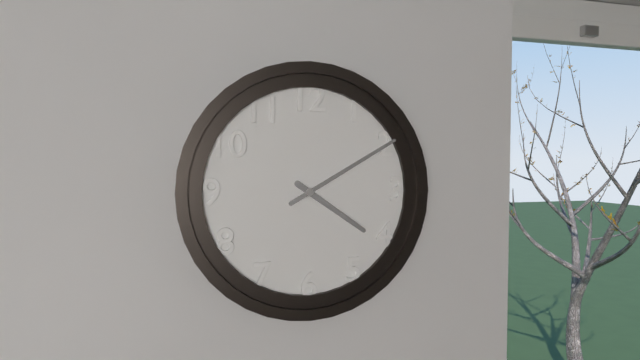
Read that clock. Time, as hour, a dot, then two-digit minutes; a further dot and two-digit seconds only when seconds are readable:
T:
4.10
